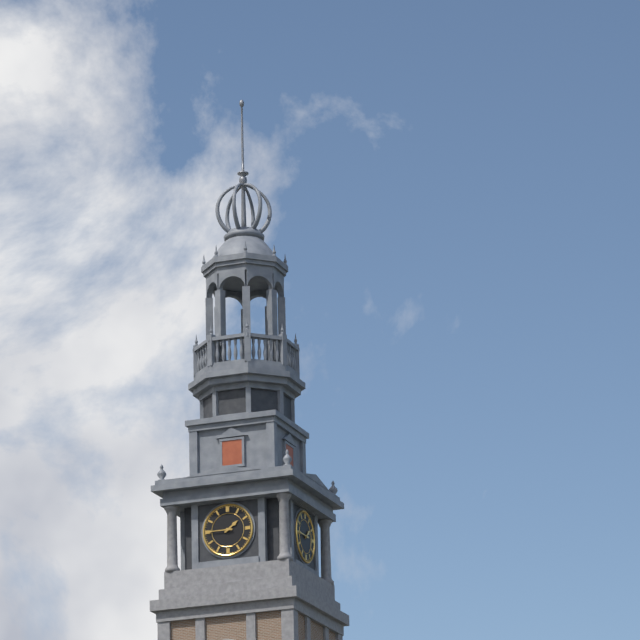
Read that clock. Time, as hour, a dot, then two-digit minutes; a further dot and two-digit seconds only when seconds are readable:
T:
1.45
